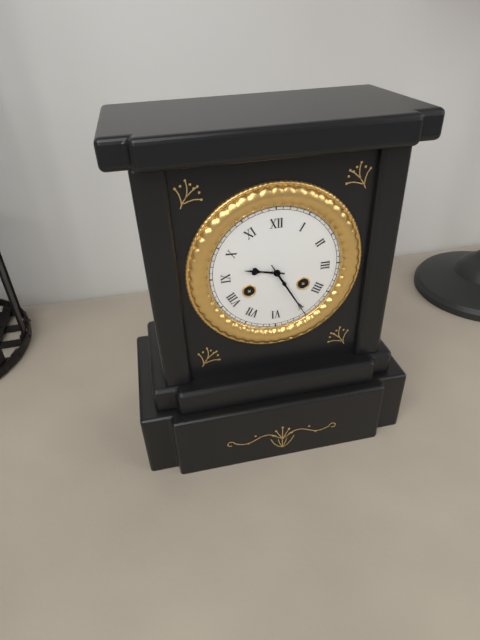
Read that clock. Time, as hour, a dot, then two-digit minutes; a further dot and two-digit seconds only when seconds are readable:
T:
9.25
